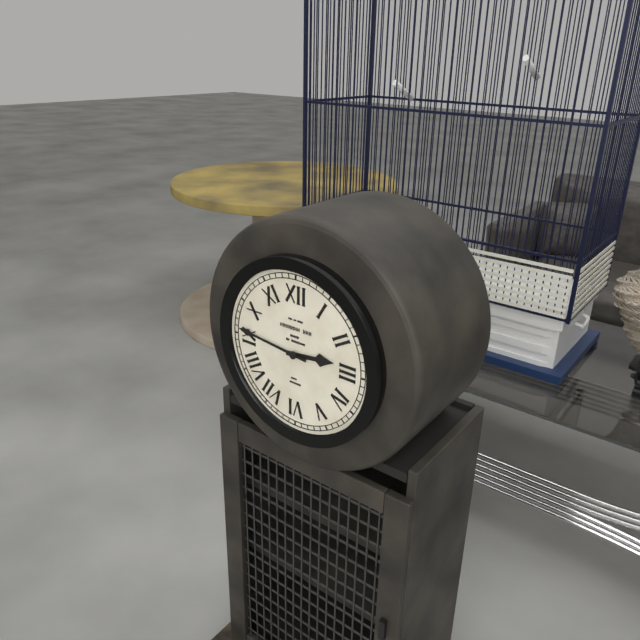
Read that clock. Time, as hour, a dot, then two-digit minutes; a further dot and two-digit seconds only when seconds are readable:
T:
2.46
